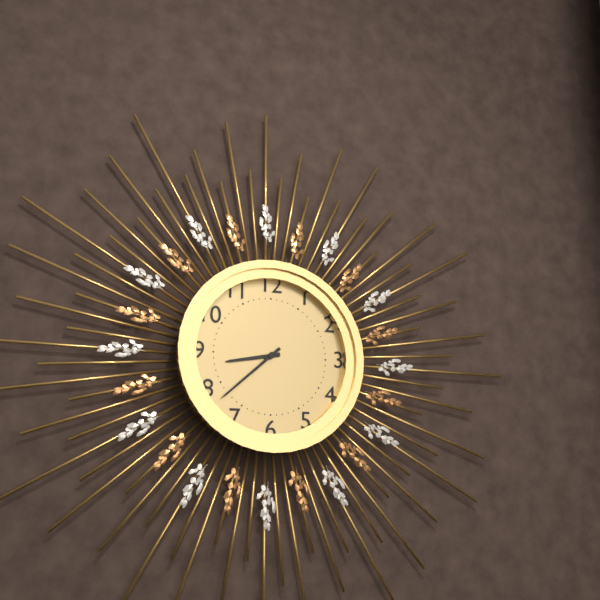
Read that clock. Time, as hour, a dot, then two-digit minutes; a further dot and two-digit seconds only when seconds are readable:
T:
8.38
